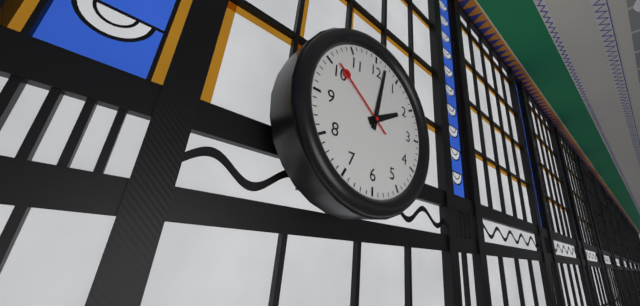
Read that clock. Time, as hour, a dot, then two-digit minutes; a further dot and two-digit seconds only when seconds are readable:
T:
2.02.51
